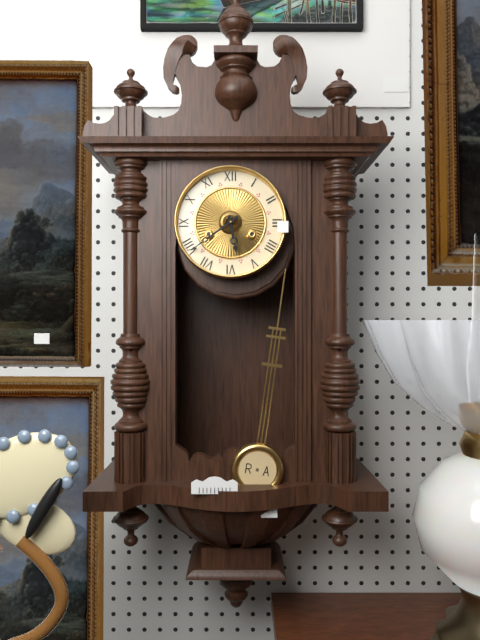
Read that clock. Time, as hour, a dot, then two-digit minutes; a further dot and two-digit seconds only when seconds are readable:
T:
5.39
